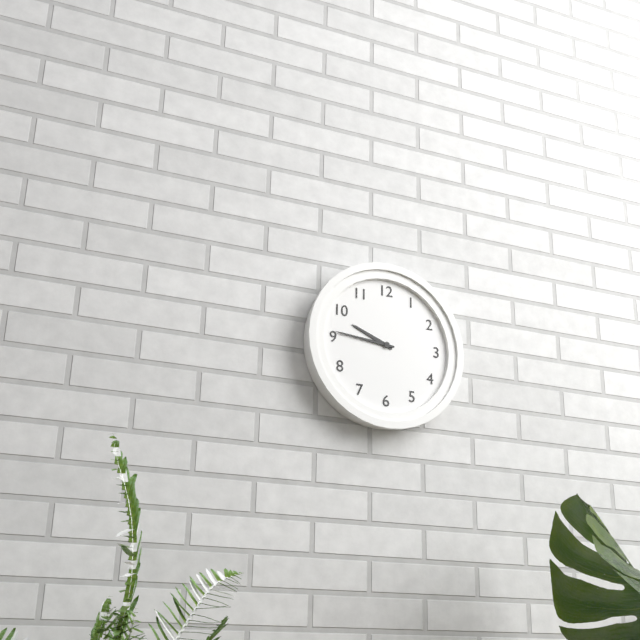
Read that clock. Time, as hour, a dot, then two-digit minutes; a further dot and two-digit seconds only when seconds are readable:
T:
9.46
